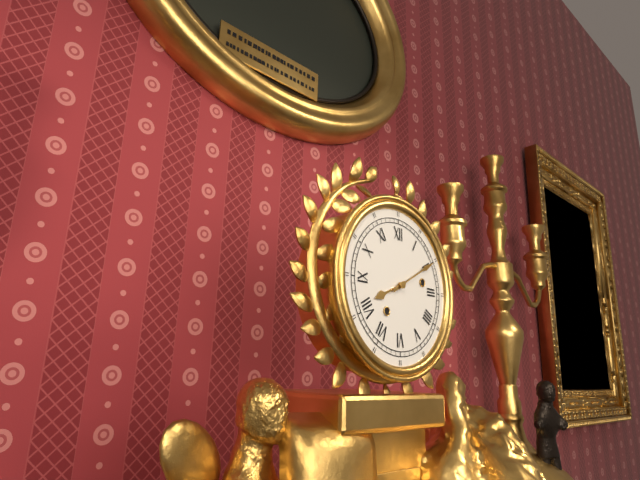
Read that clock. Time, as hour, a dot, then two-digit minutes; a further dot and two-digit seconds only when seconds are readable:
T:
8.10
